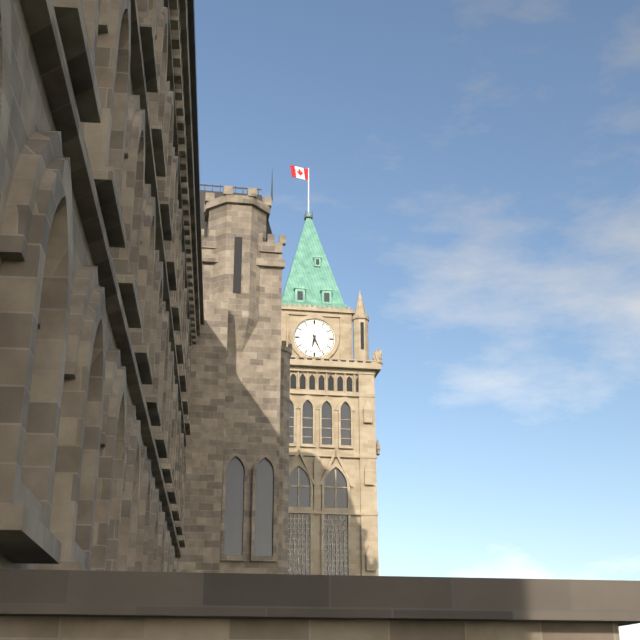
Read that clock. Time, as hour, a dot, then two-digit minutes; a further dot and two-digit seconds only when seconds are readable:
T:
6.26
